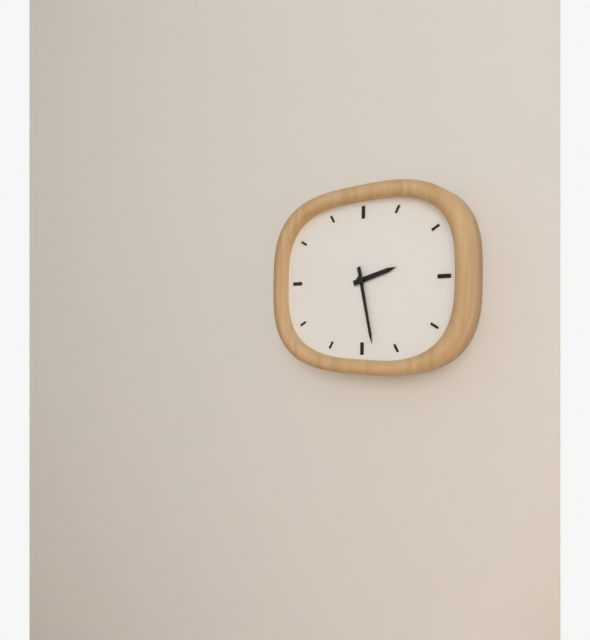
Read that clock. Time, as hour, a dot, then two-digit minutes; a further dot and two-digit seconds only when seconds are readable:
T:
2.28
